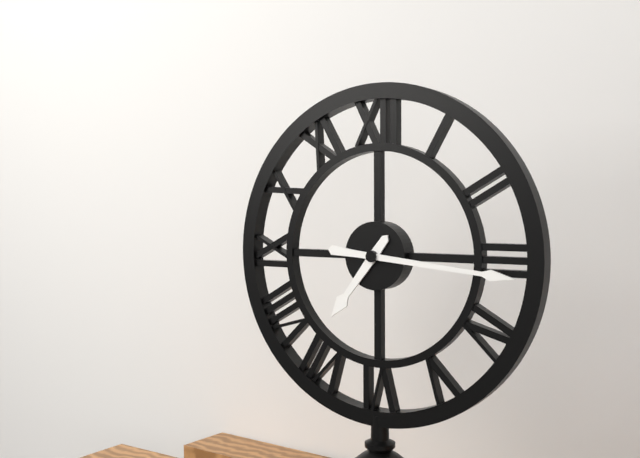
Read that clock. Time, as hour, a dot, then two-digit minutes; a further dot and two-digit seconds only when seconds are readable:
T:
7.16
